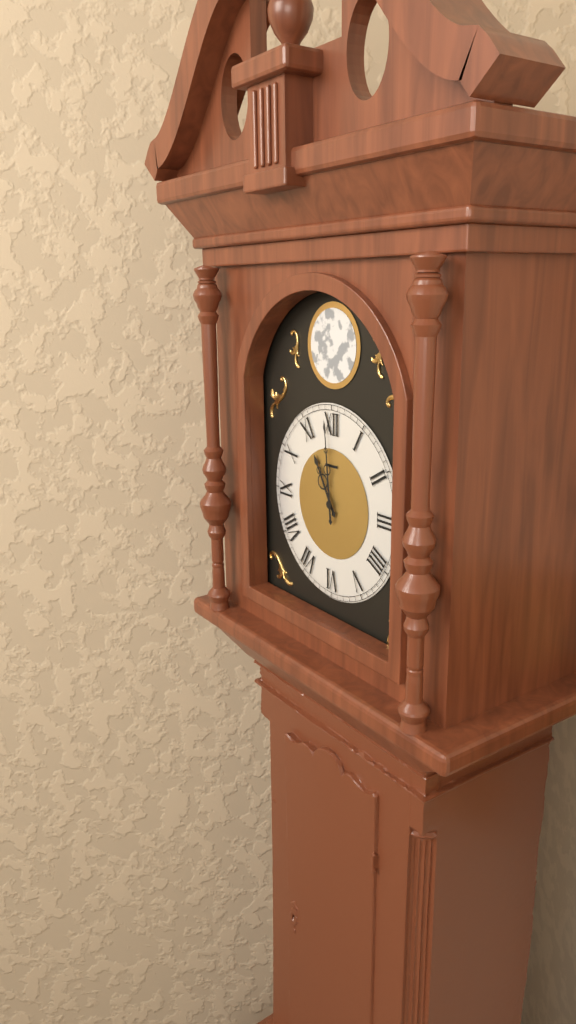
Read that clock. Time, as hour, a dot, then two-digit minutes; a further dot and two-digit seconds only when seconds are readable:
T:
10.59
